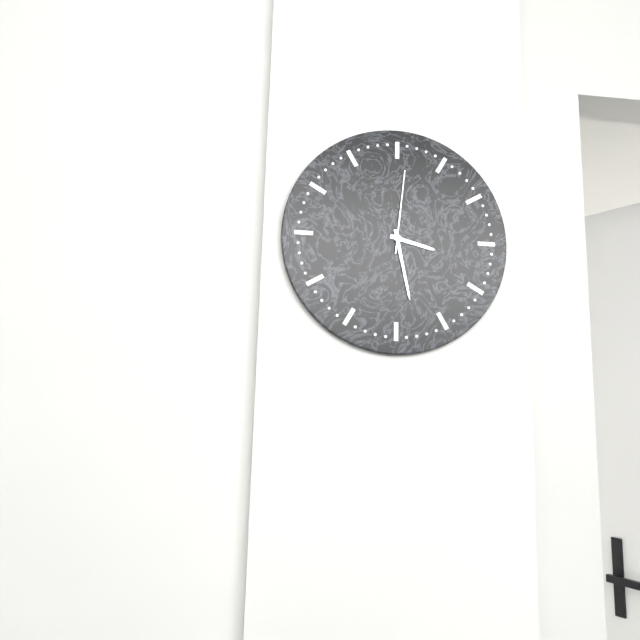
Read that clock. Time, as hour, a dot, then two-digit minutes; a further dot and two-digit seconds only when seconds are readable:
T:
3.28.01
